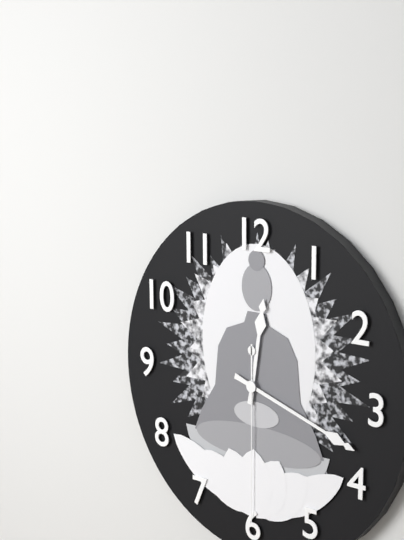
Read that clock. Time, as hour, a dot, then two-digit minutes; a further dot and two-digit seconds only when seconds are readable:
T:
12.18.30
